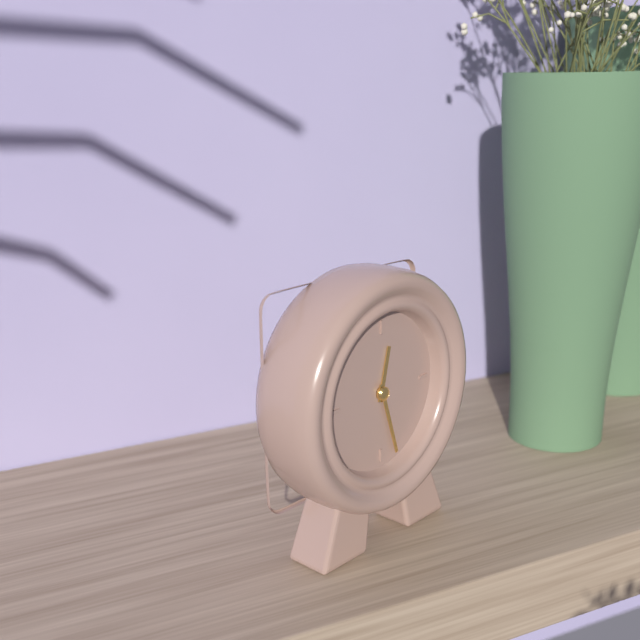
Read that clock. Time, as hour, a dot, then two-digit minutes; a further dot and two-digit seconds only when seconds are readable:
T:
12.27
